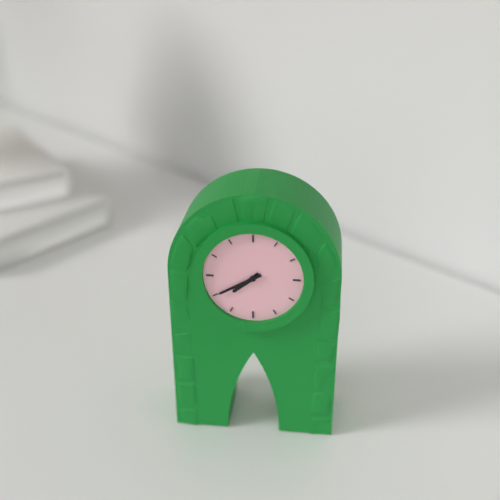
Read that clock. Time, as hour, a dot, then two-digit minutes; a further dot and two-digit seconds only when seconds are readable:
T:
7.40
